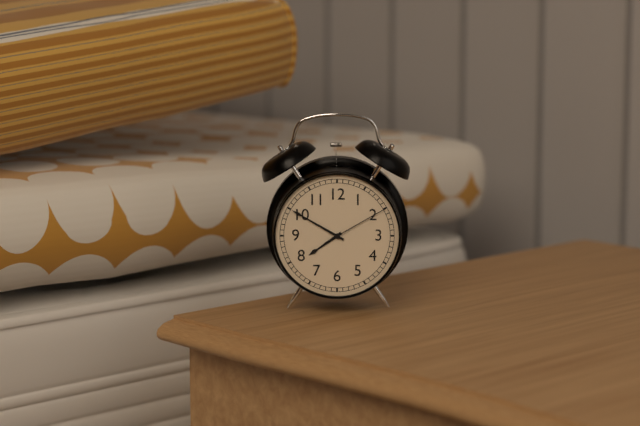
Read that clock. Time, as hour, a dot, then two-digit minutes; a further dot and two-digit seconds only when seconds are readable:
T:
7.50.10
